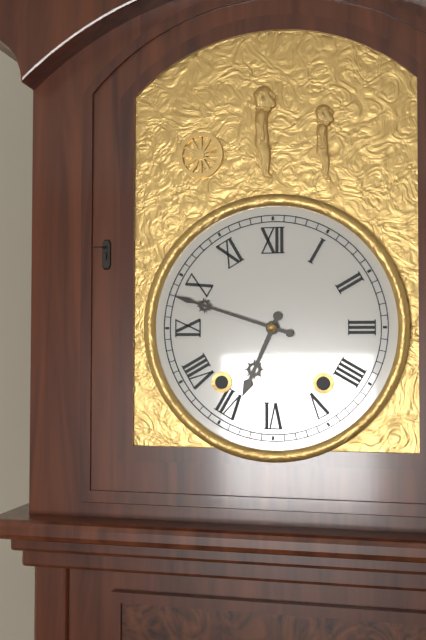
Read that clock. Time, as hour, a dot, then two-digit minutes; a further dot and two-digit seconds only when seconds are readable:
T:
6.48
